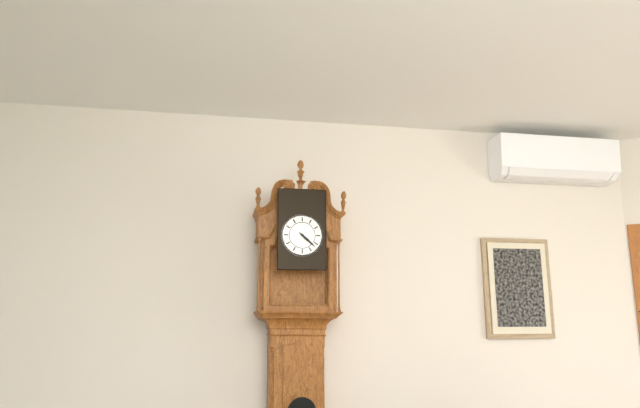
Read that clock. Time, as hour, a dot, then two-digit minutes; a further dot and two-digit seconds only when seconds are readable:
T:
4.22
